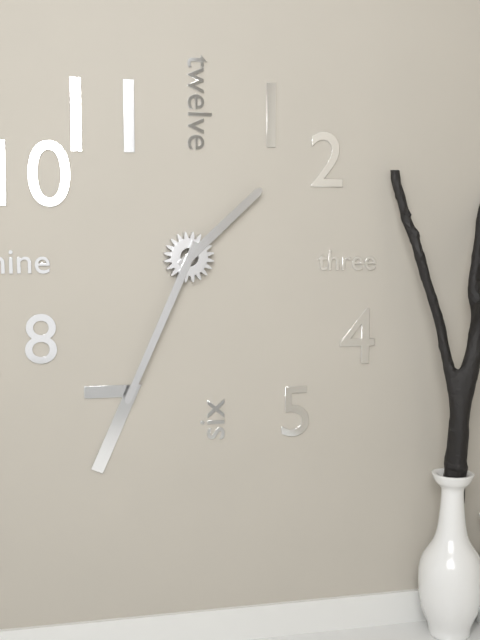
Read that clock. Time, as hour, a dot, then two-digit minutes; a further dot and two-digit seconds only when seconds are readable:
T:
1.34
